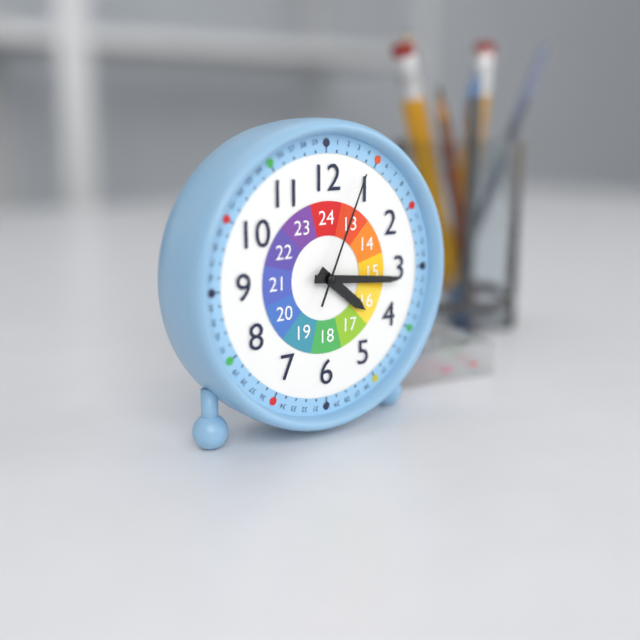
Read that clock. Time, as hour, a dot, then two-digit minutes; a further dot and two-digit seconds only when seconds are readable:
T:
4.16.04
